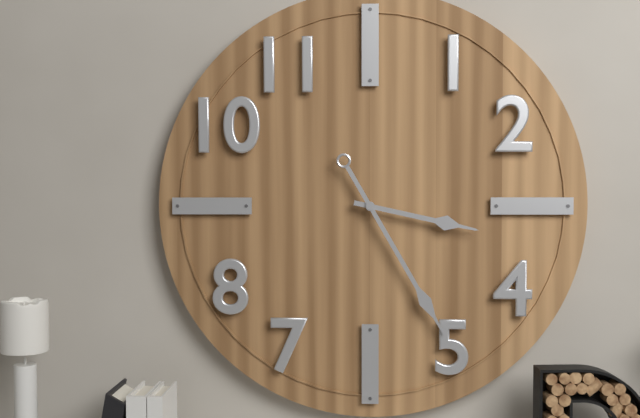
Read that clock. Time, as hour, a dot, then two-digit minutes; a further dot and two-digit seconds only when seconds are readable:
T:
3.25
